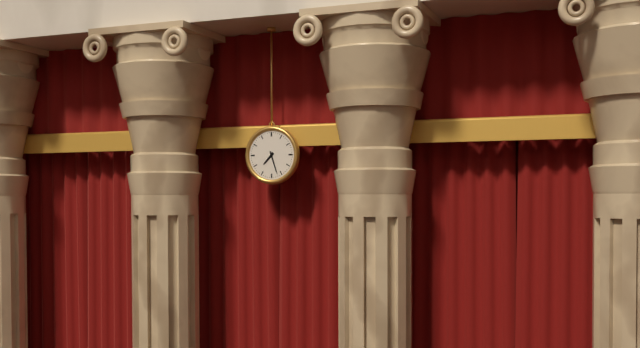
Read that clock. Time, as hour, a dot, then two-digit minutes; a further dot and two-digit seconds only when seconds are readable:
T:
7.27
